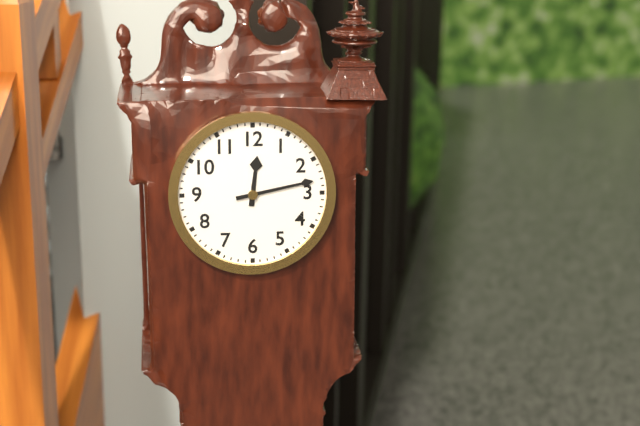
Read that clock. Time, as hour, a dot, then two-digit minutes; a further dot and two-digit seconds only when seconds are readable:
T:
12.13
